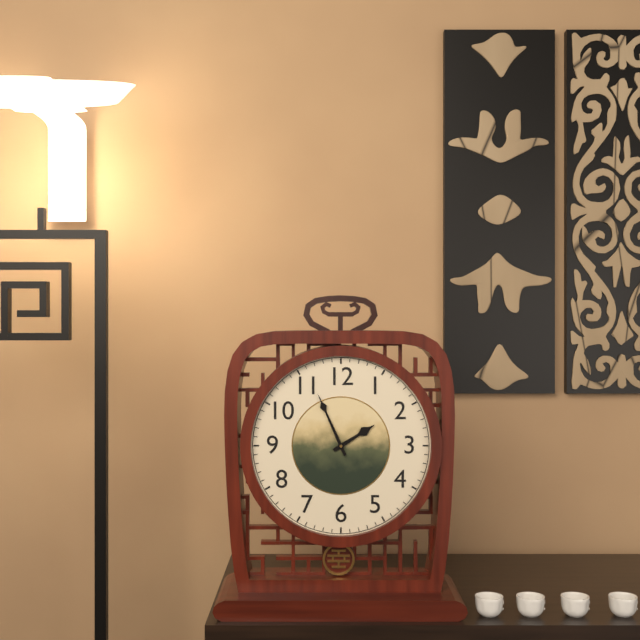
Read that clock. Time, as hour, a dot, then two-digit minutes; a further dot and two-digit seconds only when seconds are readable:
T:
1.56
